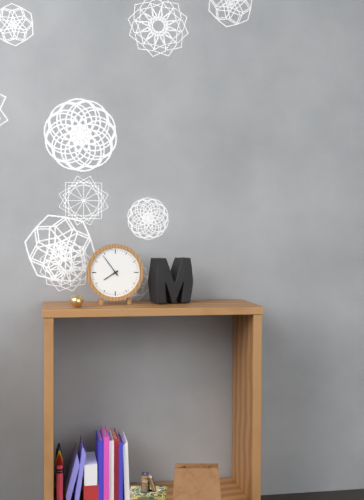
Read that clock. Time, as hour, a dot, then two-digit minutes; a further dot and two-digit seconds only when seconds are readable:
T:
7.54
